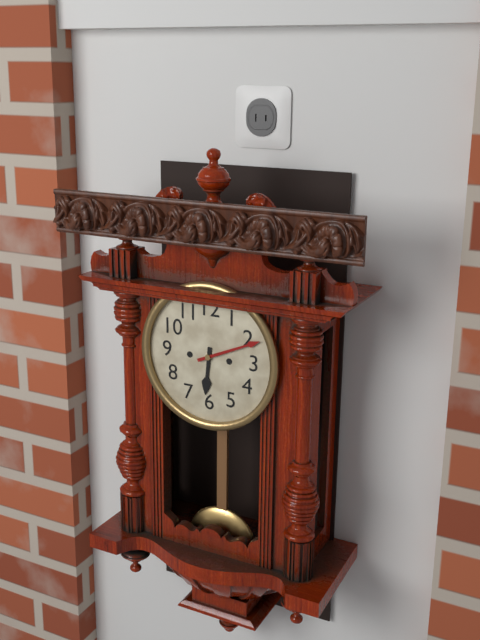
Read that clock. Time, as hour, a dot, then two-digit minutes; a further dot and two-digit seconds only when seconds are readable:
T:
6.11
